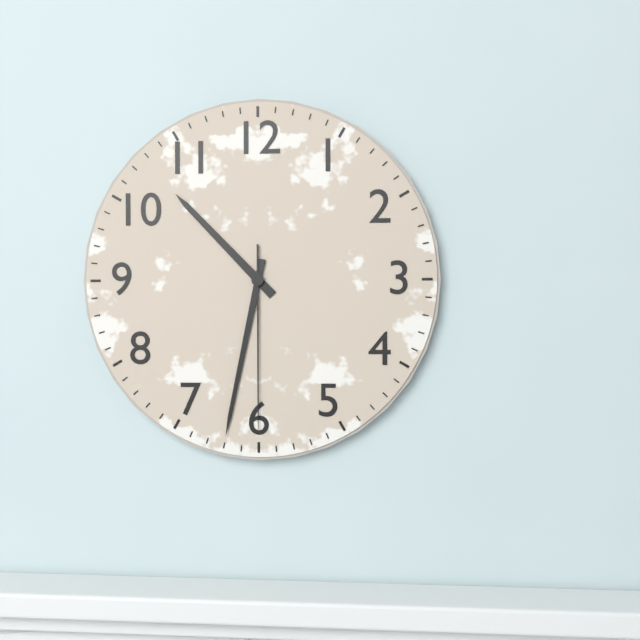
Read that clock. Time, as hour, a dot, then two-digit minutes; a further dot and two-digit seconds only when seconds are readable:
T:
10.32.30
